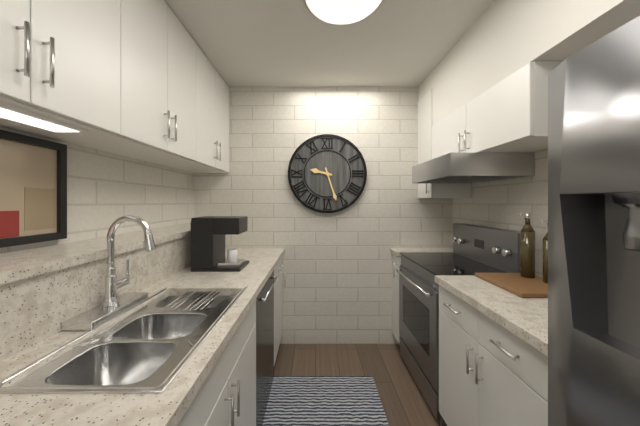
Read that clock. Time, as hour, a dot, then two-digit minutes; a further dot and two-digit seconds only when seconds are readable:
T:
9.27
